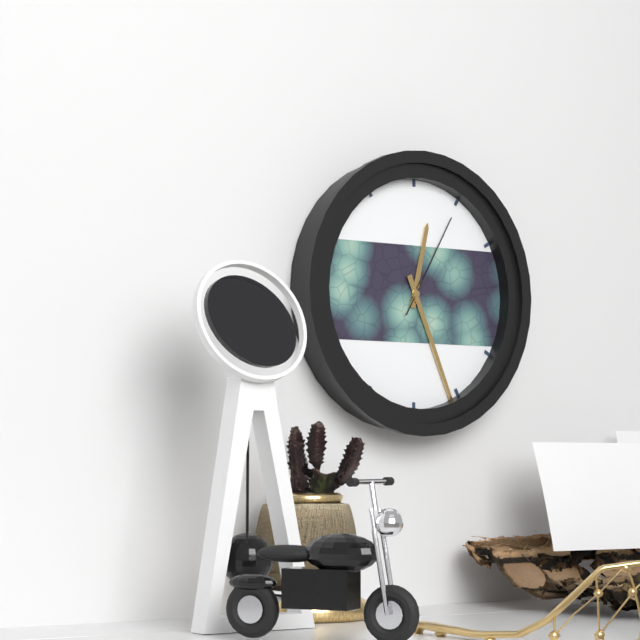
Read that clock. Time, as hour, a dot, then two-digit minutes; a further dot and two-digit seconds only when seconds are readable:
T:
12.26.05
